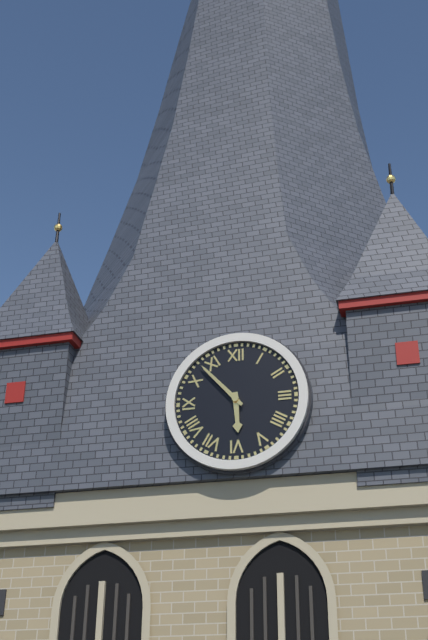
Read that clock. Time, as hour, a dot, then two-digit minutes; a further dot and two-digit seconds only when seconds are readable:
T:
5.53
